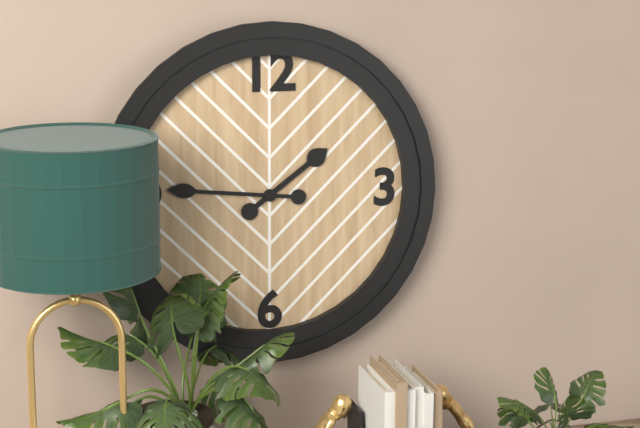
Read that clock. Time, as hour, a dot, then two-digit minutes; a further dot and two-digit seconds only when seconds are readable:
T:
1.46
